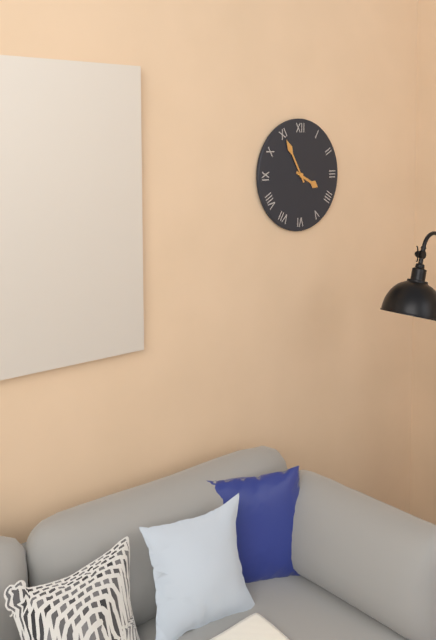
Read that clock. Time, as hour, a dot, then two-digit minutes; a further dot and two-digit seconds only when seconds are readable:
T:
3.55
